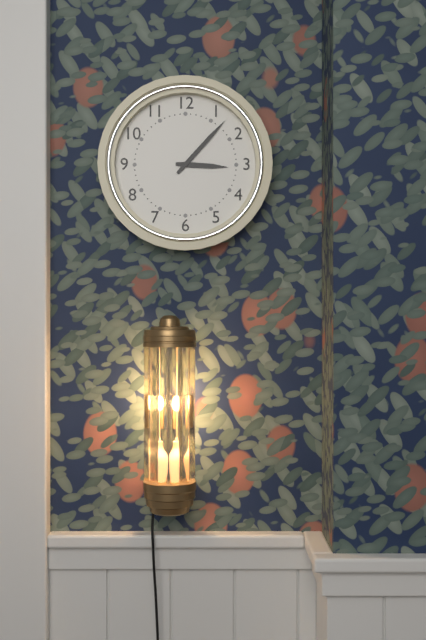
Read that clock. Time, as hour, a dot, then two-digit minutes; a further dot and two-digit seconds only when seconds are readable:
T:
3.07
